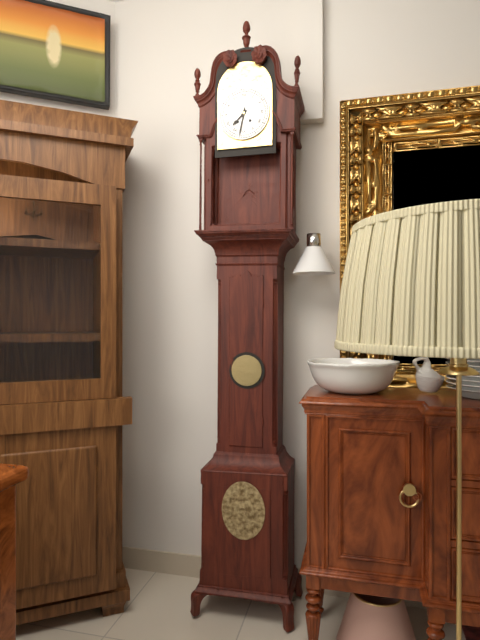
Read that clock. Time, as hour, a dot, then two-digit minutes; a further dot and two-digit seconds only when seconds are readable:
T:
7.32
